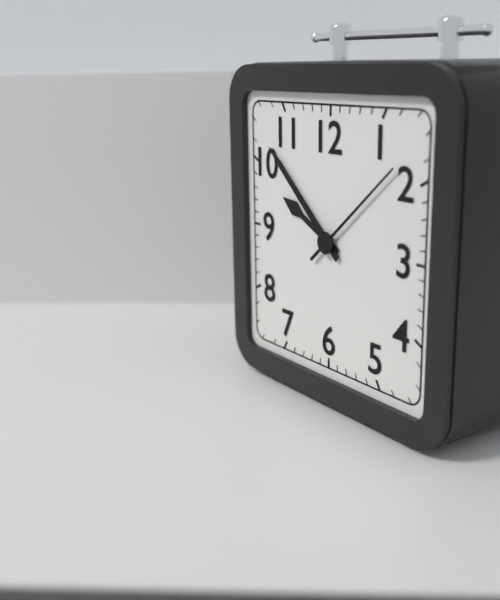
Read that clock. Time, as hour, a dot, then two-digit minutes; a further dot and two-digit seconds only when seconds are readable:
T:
9.52.08
